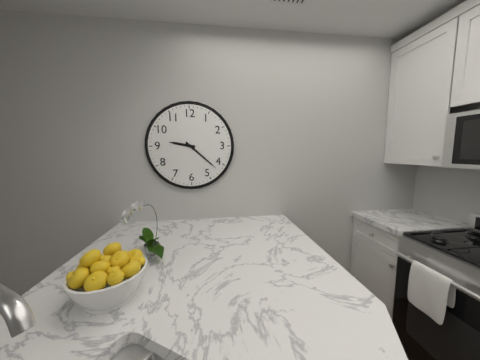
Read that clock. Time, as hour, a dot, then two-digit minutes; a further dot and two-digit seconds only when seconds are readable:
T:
9.22
